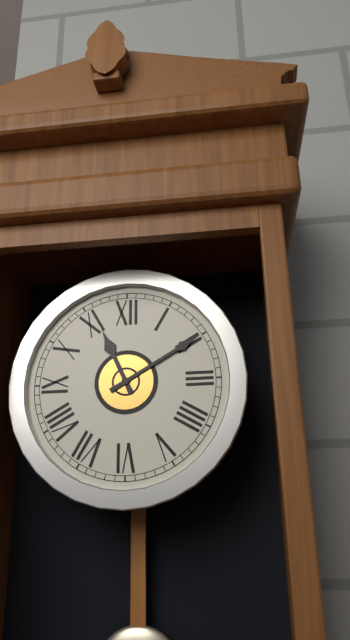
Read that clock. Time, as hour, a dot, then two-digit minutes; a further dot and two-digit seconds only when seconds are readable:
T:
11.10
